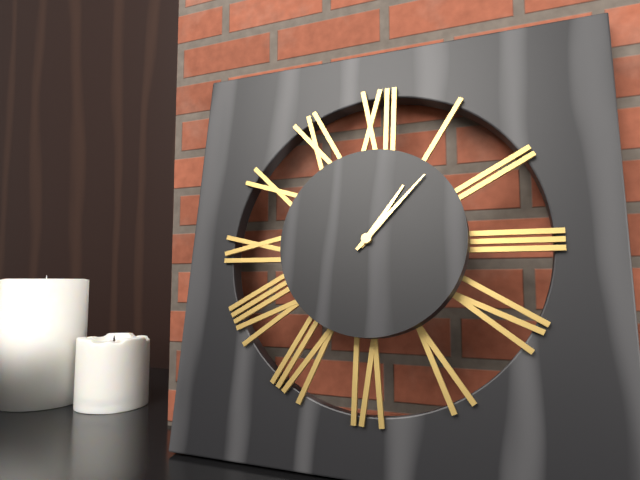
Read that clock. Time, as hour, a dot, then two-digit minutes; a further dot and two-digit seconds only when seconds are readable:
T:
1.07
